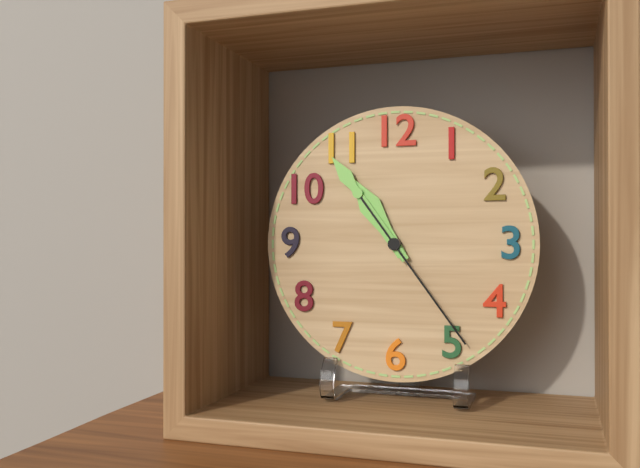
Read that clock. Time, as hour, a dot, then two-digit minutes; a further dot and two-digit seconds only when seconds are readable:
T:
10.54.24
